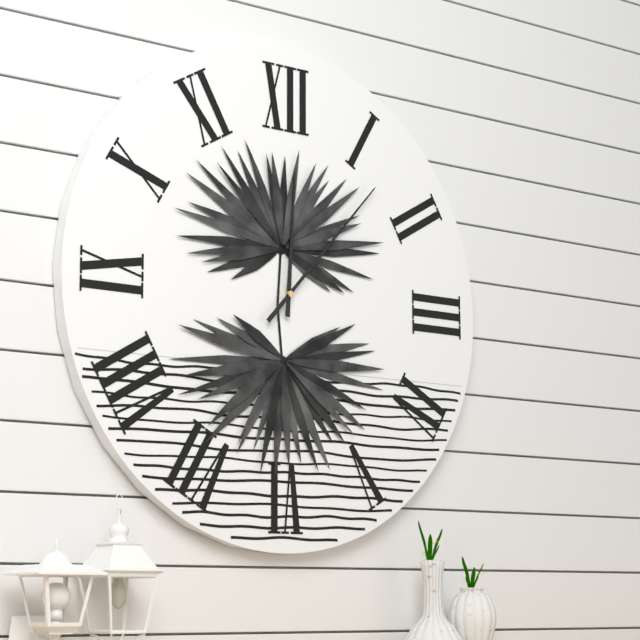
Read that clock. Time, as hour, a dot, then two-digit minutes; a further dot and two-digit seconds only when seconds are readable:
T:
12.07
